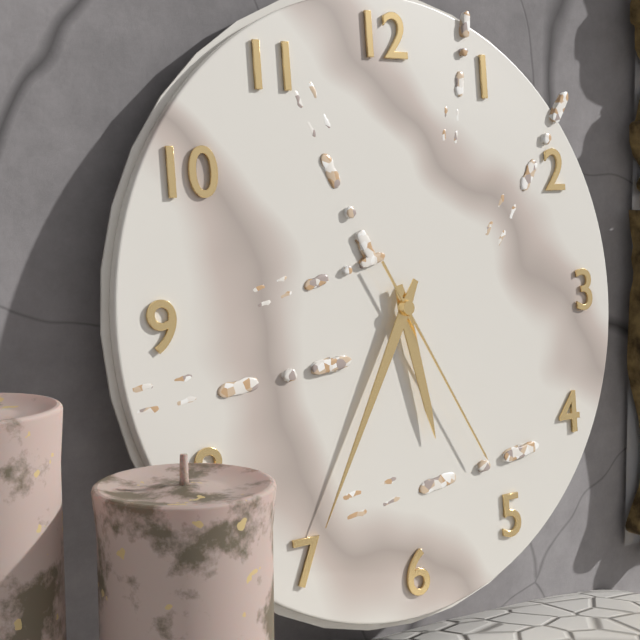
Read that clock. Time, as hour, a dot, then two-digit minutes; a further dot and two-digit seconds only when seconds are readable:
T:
5.35.25
